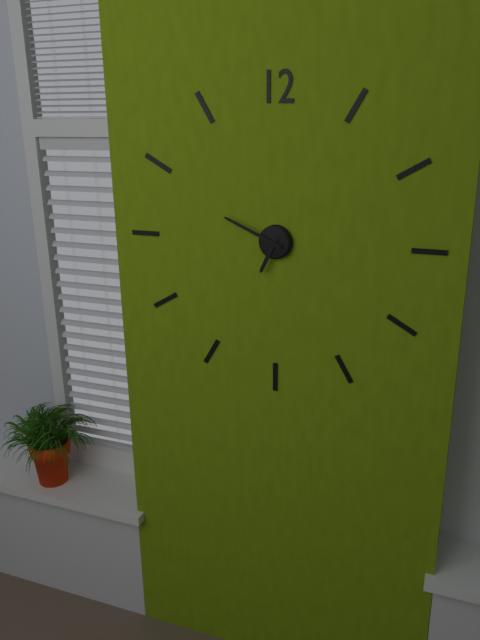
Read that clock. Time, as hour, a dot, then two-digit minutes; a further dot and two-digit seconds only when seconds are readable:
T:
6.49
